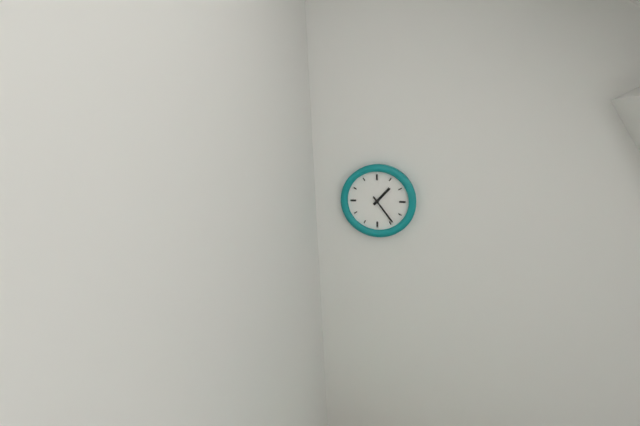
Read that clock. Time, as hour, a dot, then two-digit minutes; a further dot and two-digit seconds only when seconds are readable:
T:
1.24
